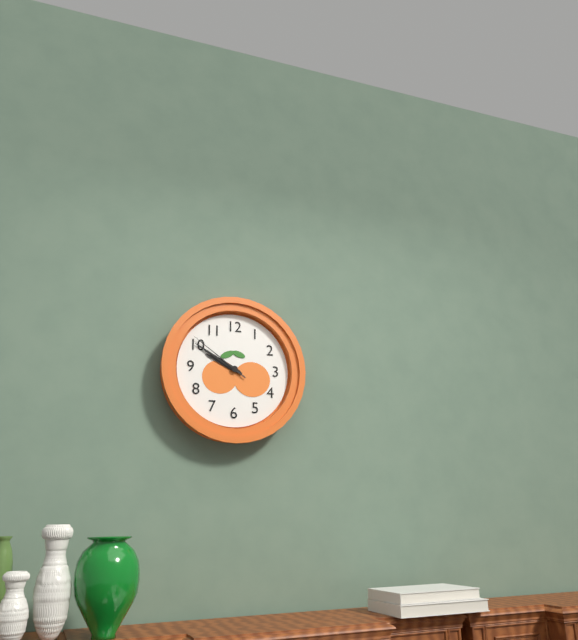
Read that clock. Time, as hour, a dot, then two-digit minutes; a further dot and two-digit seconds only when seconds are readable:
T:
9.50.51
